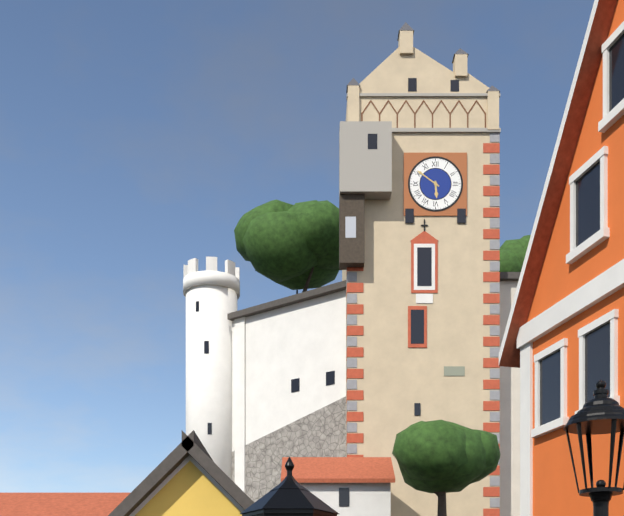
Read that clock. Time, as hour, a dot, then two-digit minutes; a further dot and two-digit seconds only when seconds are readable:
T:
5.51
